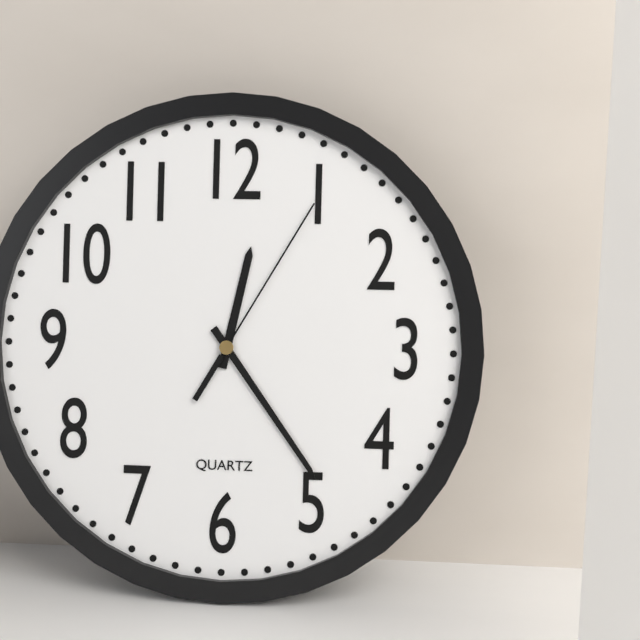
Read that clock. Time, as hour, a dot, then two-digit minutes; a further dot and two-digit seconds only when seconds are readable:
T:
12.24.05
